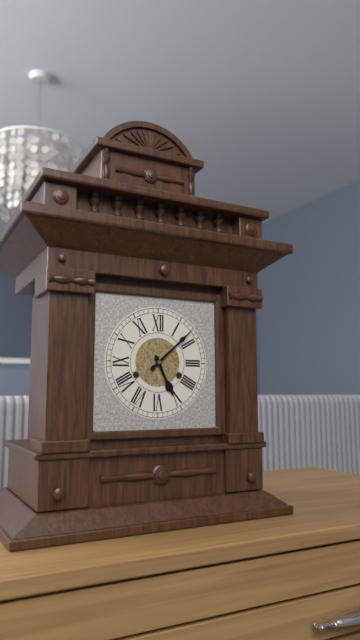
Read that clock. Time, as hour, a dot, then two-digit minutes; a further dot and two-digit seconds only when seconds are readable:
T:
5.08
